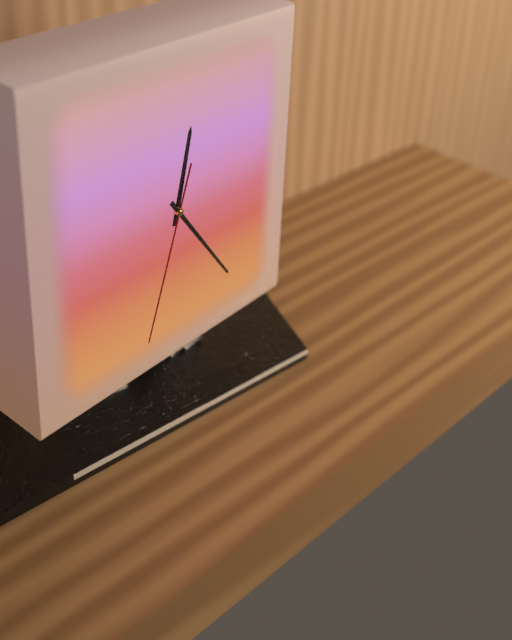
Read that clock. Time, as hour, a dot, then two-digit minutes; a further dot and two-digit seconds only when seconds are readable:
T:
12.24.33
